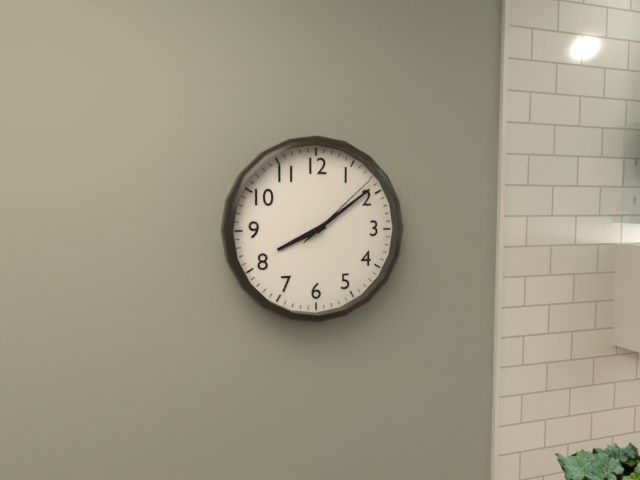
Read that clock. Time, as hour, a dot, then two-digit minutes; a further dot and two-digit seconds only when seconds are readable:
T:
8.09.08
